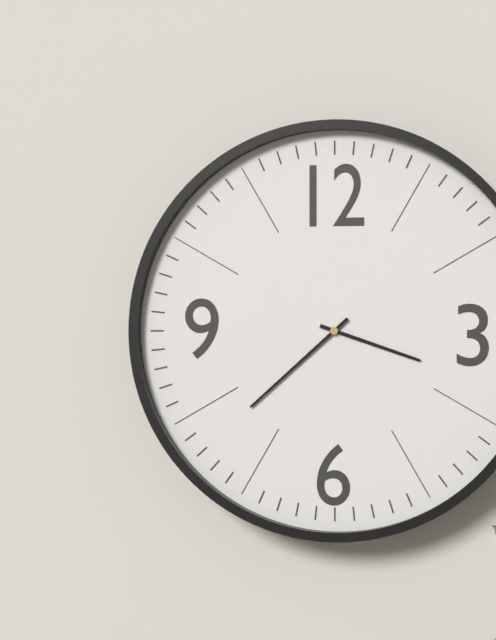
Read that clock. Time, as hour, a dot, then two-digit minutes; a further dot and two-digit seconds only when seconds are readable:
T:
3.38
